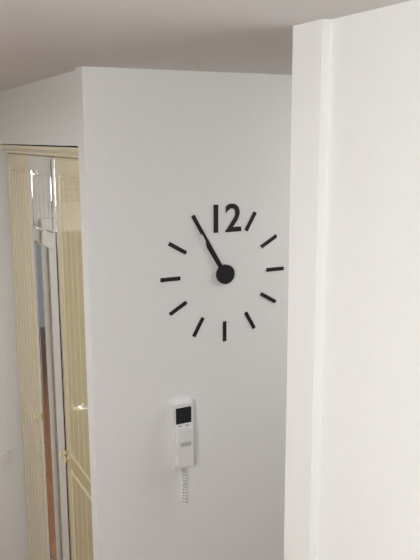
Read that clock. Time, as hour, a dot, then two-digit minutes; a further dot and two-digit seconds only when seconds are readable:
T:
10.55
